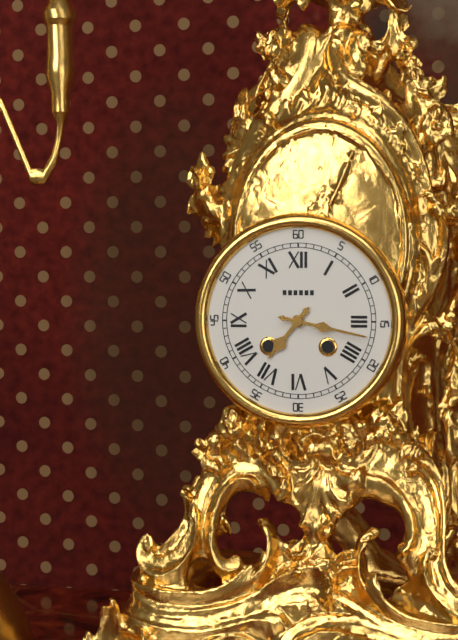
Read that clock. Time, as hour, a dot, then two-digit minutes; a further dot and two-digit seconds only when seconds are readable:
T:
7.17
